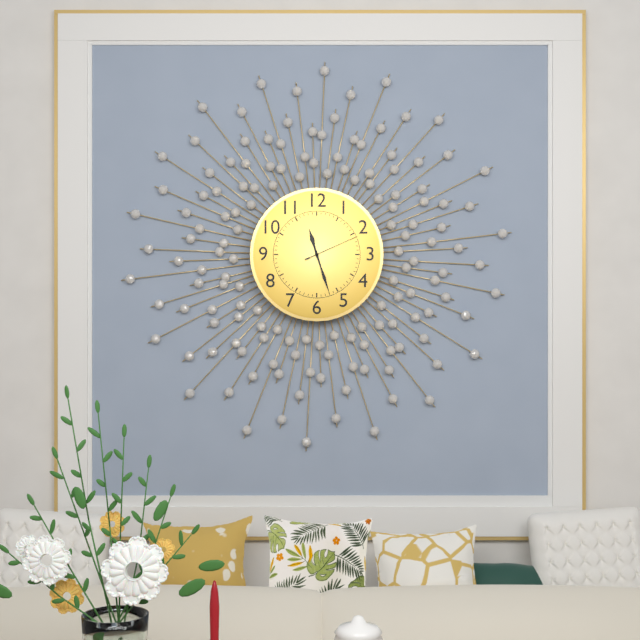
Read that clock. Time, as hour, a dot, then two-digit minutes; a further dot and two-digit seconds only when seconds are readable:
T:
11.27.11
